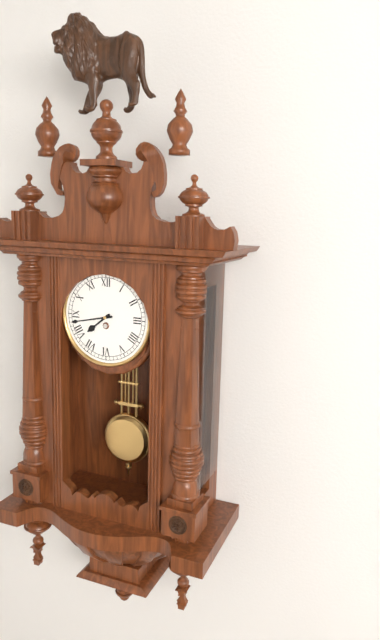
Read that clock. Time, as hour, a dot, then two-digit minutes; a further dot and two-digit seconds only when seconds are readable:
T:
7.43
